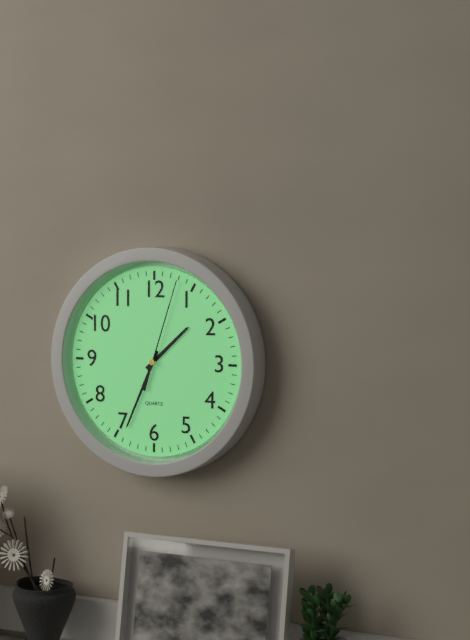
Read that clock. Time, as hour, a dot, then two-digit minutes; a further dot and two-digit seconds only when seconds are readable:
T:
1.34.03
